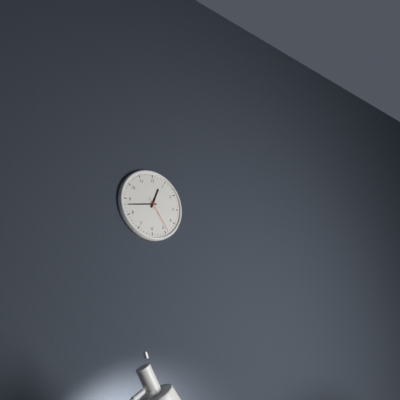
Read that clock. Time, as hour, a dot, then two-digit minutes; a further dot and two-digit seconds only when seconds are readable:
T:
12.43
